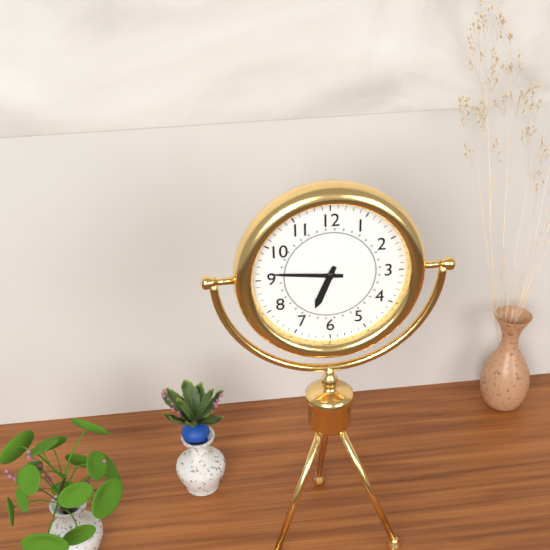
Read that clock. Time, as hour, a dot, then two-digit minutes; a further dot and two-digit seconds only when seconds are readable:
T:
6.46
